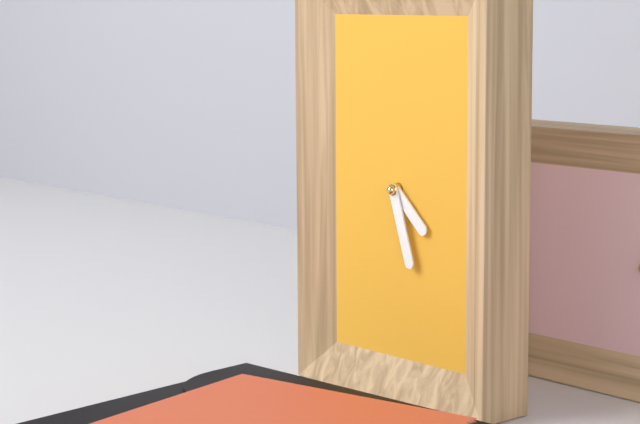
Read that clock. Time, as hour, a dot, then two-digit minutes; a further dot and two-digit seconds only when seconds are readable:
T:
4.27
